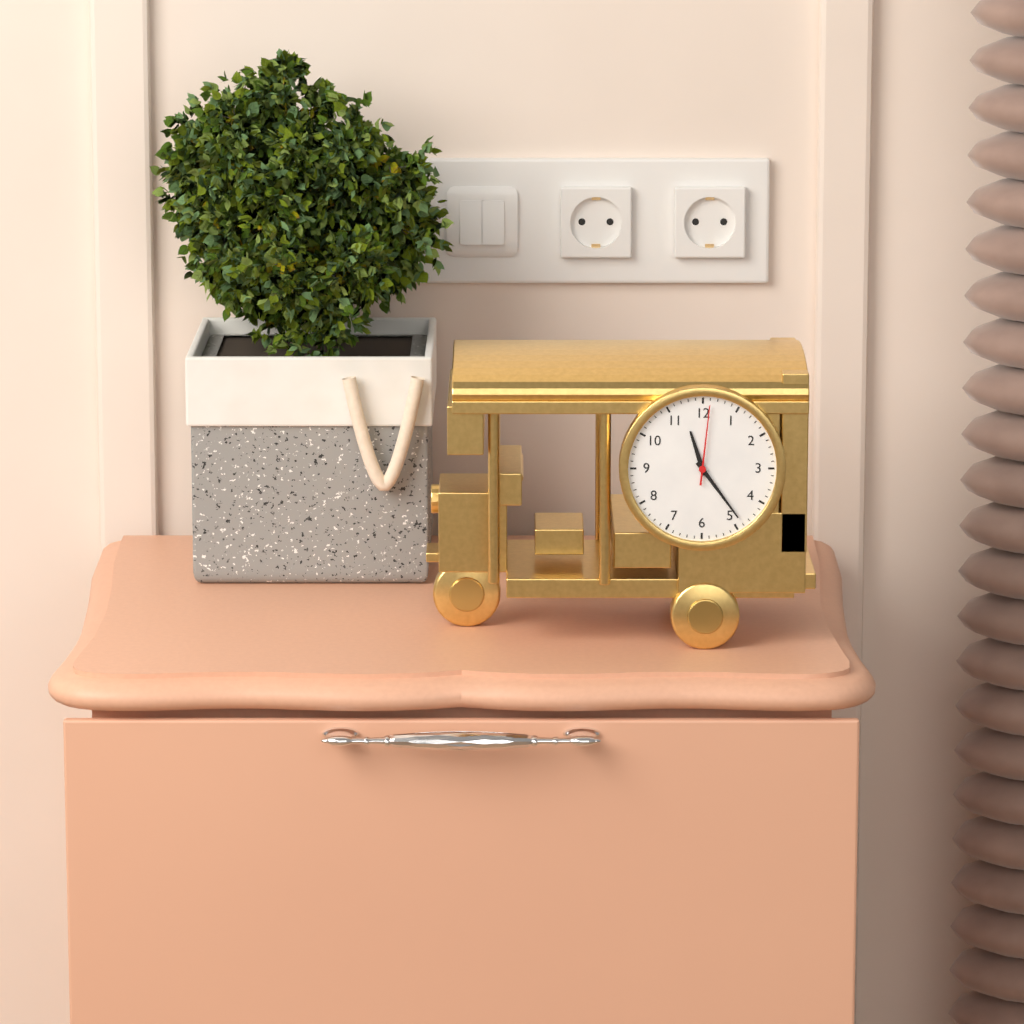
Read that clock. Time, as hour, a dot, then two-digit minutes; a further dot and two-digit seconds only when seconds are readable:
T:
11.24.01
